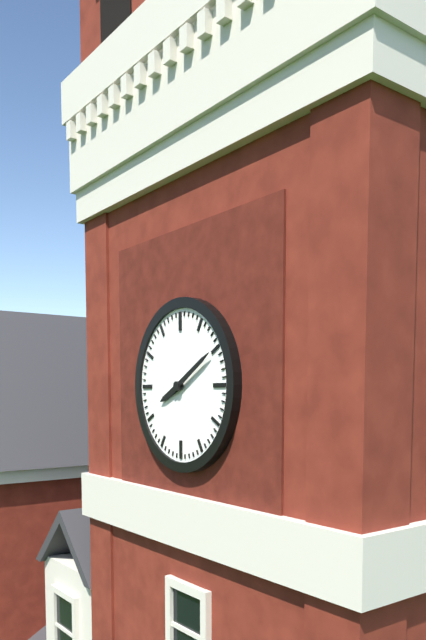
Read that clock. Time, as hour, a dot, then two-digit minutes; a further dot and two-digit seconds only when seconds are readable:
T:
8.10
